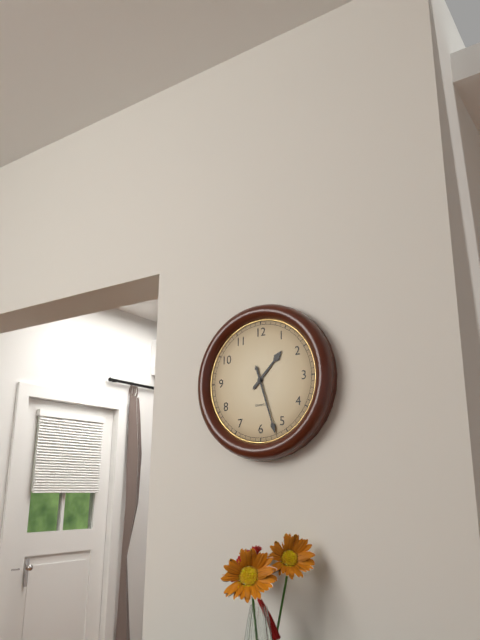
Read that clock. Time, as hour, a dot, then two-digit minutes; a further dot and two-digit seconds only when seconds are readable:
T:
1.27
